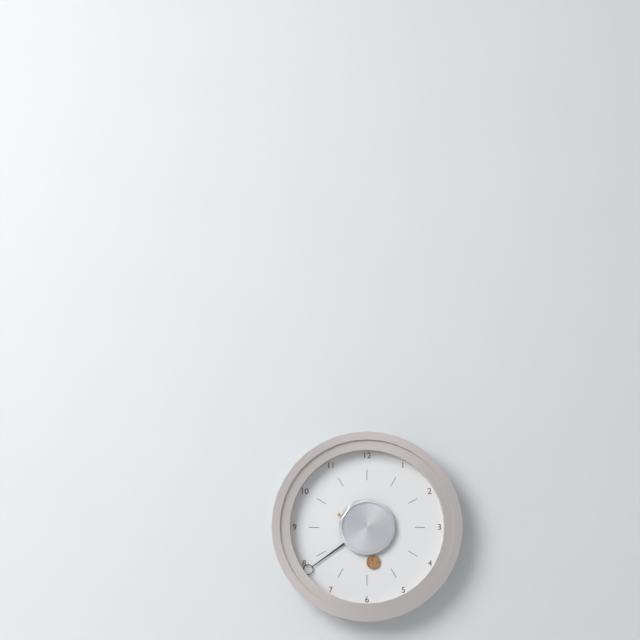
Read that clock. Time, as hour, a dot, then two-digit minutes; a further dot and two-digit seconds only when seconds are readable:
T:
5.39
